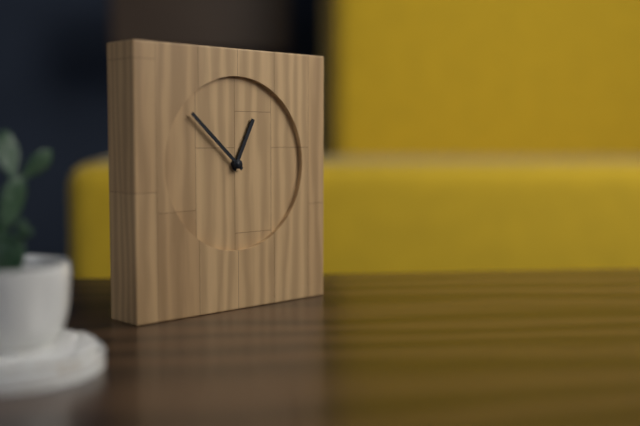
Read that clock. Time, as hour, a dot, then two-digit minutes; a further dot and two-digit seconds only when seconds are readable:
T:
12.52
